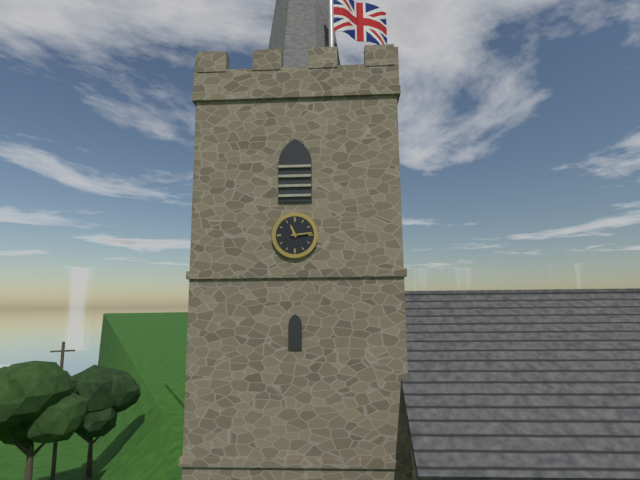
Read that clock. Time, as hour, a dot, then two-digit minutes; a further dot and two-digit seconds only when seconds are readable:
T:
11.14
